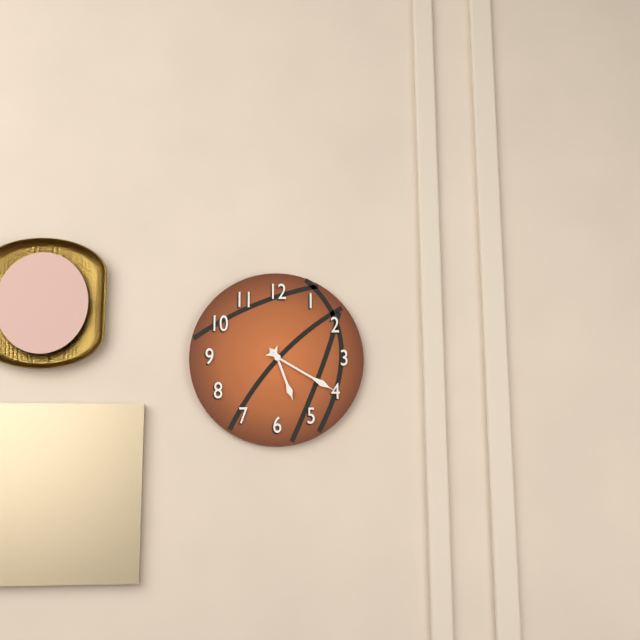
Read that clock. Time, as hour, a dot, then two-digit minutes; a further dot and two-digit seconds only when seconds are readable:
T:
5.20
